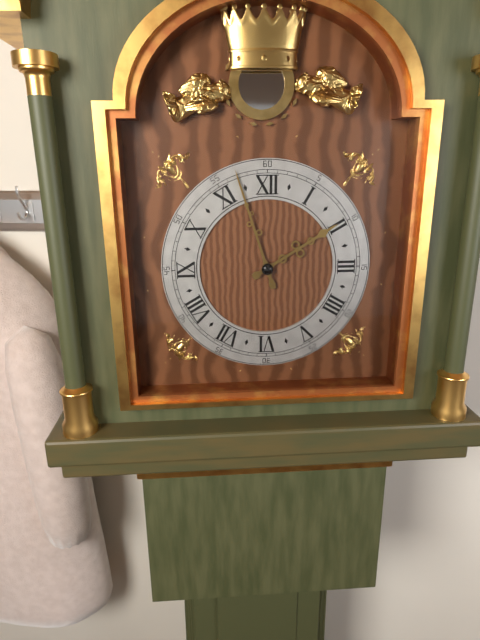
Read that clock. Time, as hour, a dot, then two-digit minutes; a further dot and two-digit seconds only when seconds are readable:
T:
1.57
